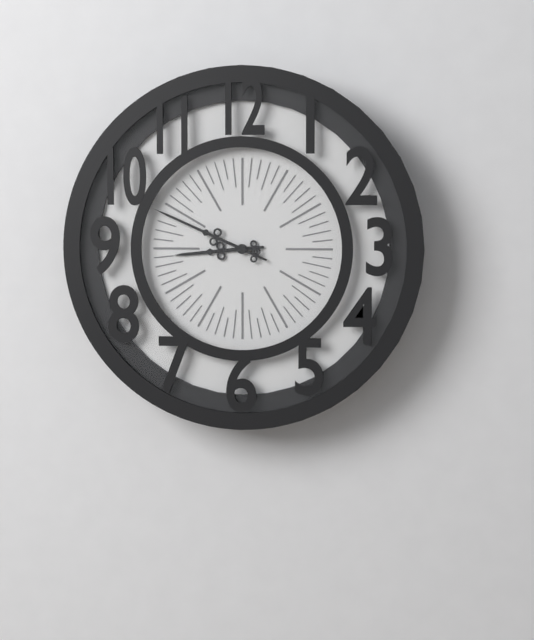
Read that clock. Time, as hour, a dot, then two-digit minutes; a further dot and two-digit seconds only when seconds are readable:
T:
8.49
